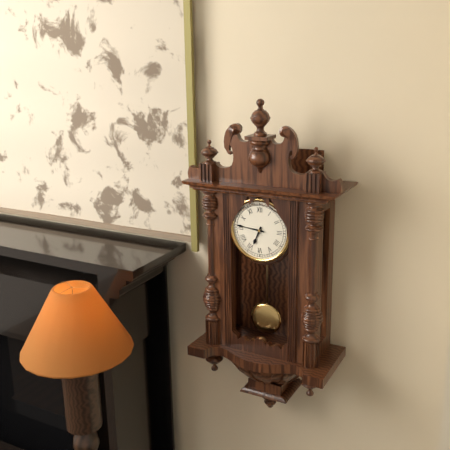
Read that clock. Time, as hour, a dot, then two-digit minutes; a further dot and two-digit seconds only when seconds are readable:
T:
6.46
